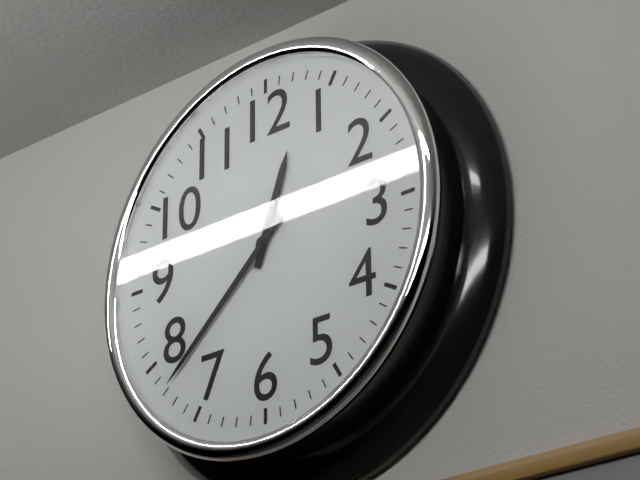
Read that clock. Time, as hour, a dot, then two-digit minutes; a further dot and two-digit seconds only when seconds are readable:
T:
12.38
